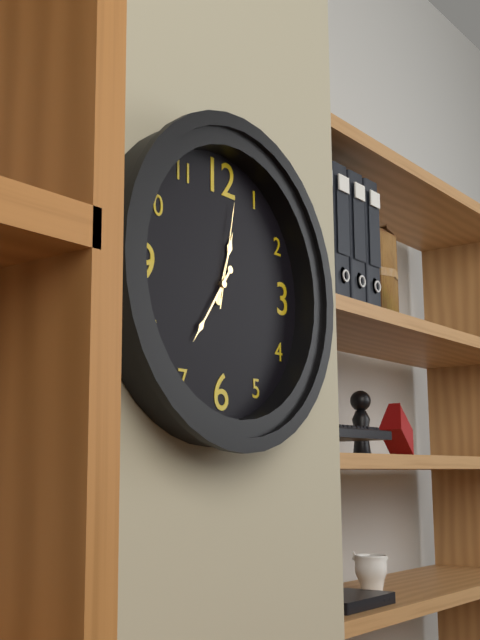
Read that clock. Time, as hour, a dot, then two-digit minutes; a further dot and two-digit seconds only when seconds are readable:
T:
12.36.02
